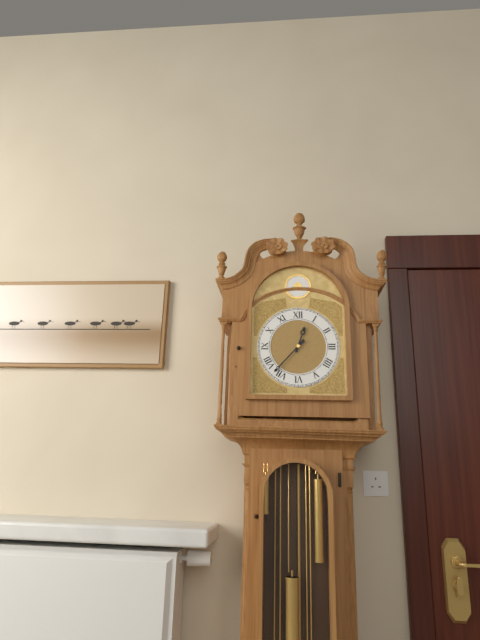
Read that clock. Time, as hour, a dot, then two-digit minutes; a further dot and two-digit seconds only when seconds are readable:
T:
12.37
